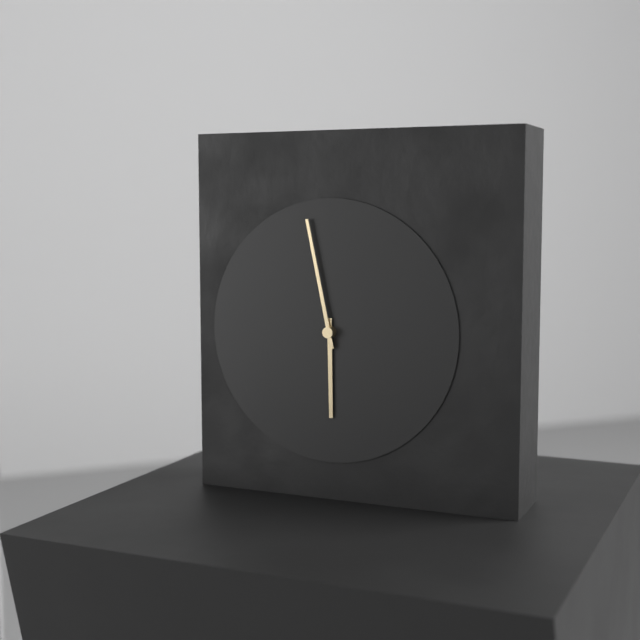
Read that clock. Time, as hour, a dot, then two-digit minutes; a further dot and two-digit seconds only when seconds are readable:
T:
5.58
